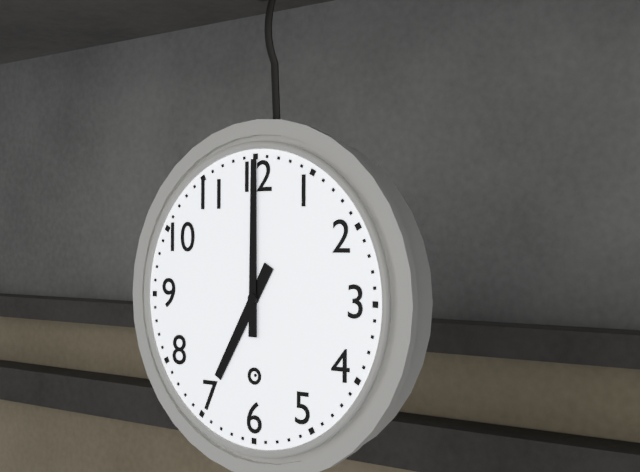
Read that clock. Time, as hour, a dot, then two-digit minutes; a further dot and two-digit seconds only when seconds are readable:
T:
7.00
